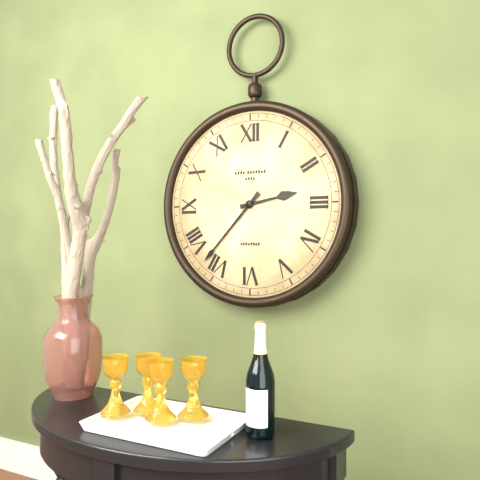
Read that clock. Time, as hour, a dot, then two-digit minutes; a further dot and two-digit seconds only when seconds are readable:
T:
2.37
